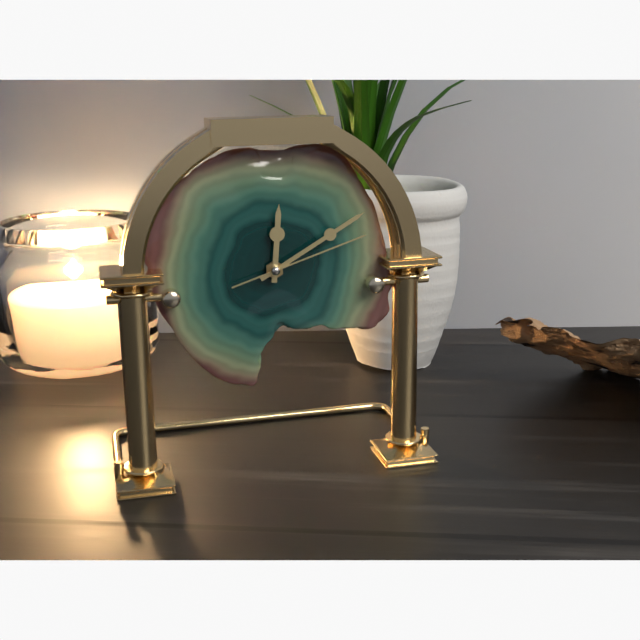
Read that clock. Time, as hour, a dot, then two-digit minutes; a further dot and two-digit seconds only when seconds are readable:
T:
12.10.12
